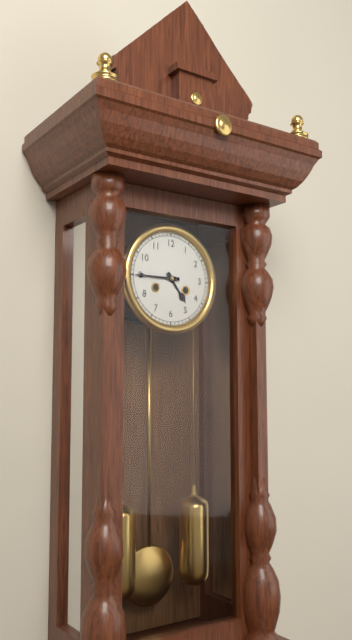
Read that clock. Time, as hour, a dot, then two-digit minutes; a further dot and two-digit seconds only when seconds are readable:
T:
4.45
